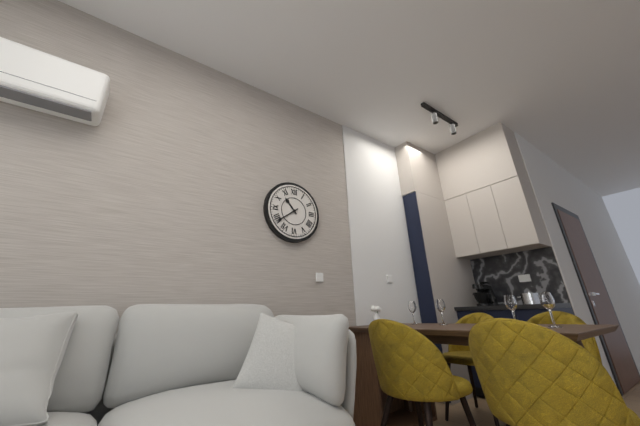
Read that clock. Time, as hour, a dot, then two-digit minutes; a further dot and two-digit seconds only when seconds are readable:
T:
10.39
